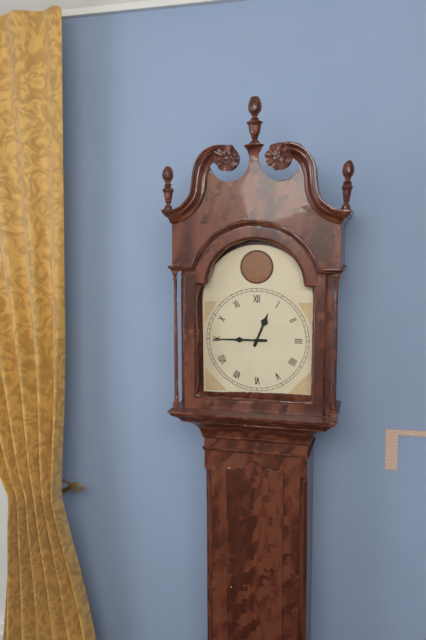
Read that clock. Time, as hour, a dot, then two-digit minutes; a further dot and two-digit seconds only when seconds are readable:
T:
12.45
